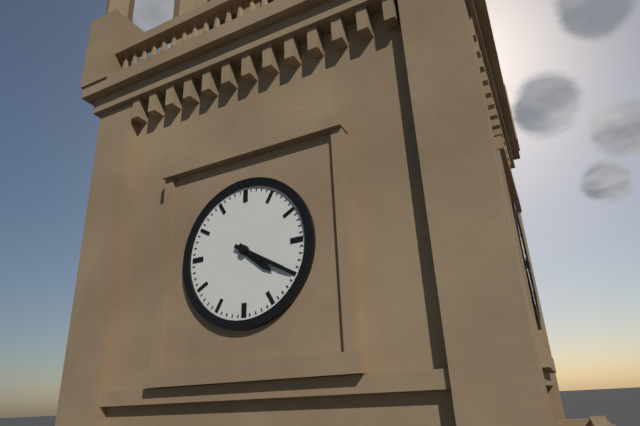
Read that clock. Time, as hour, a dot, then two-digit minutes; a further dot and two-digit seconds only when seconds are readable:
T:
4.20
